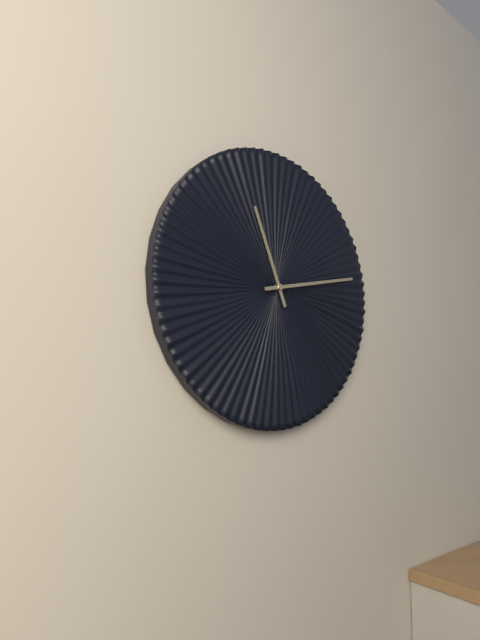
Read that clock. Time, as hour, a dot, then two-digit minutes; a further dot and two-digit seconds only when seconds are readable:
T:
11.13
